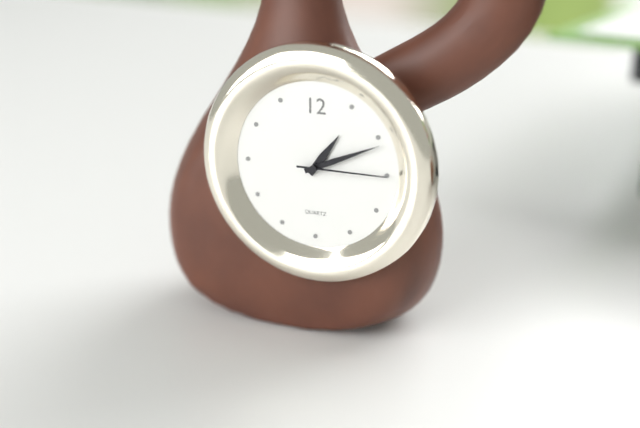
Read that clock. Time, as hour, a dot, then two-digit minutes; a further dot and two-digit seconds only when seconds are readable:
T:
1.11.15
